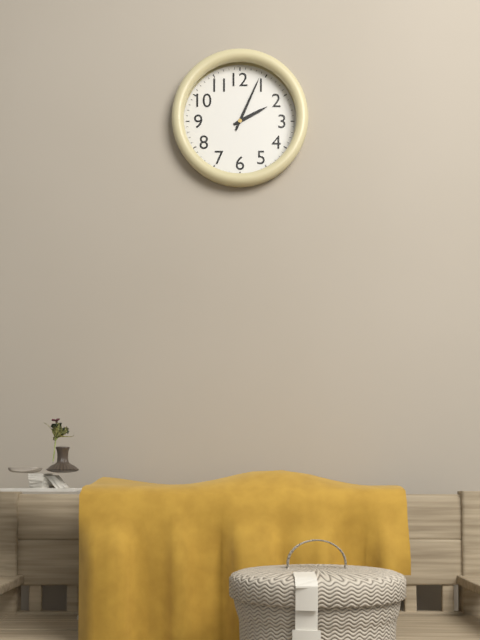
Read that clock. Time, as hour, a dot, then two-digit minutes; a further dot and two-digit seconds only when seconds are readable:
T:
2.04
